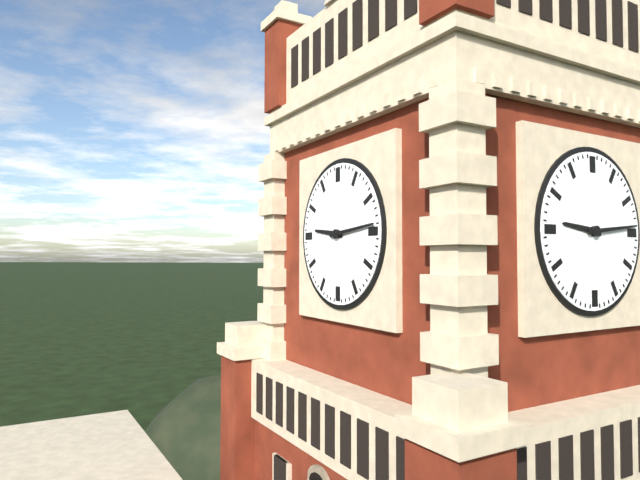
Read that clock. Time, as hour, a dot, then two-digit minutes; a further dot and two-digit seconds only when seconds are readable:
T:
9.14
